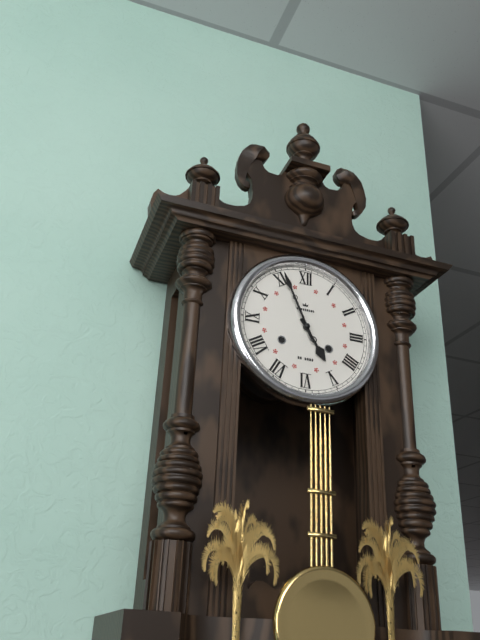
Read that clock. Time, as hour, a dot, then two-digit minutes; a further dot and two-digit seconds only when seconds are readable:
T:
4.56
